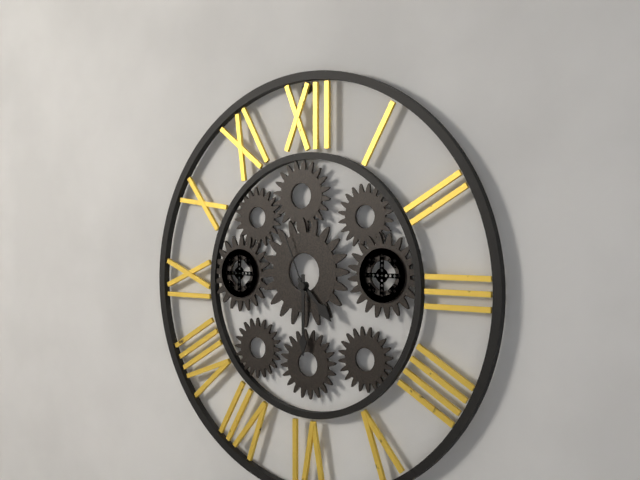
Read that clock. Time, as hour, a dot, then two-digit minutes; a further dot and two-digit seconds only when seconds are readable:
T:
4.30.56
